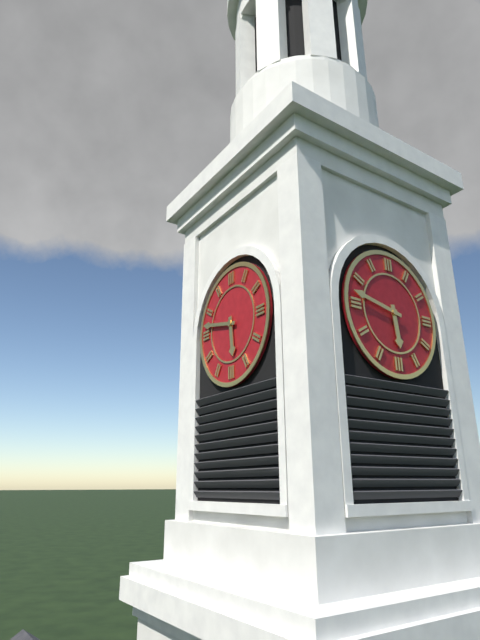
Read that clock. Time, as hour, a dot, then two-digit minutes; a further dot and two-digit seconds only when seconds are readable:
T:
5.47
